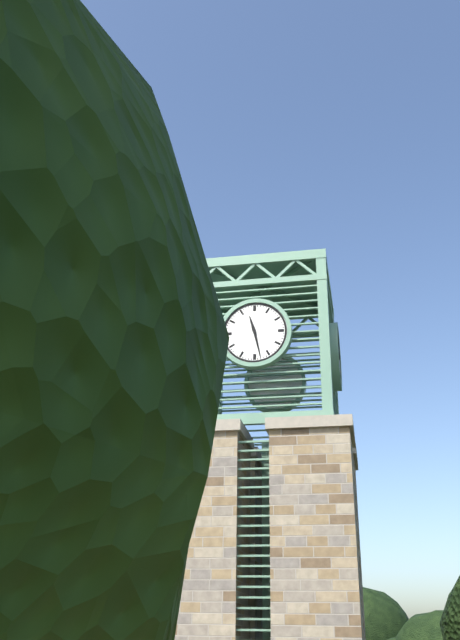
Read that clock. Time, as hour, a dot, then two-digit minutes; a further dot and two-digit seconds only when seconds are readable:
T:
11.28
